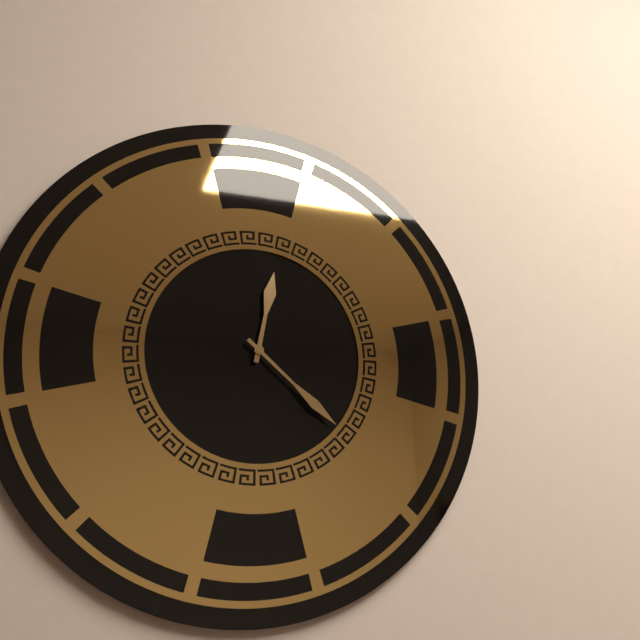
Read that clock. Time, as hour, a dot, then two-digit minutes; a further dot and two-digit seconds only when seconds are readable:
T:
12.22
